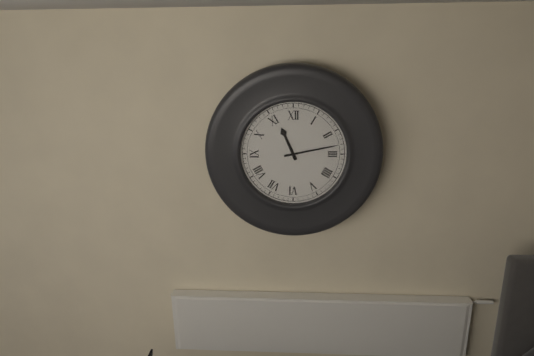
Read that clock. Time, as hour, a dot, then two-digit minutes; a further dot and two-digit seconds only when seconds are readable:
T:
11.13
